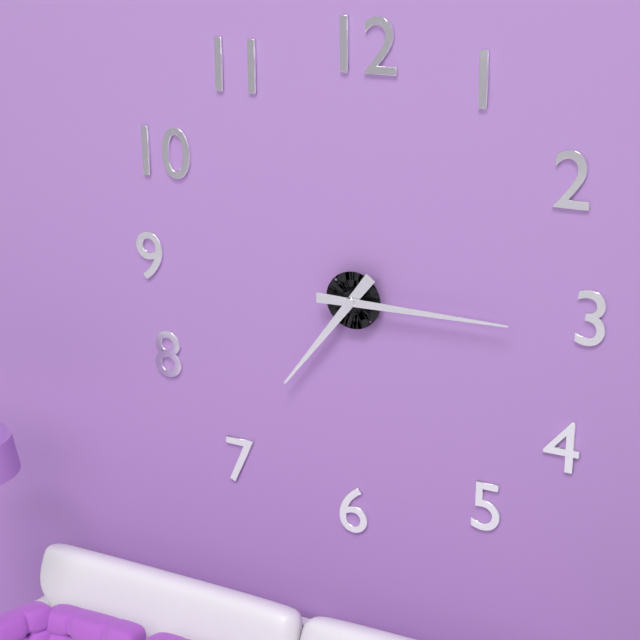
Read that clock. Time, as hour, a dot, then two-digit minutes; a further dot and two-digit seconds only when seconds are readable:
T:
7.15
